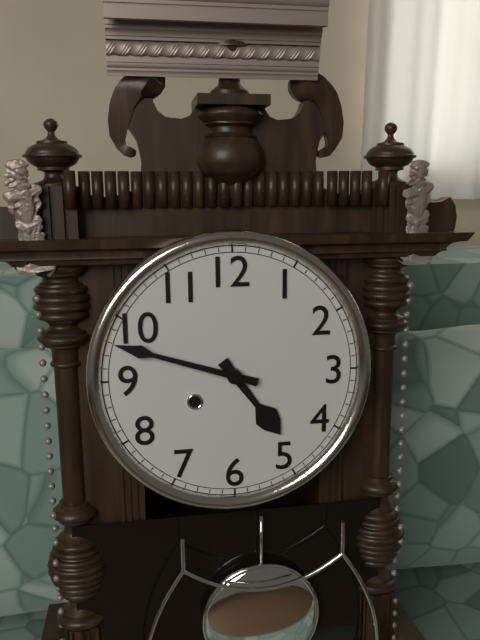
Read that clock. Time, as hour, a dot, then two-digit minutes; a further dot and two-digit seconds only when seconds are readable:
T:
4.48
